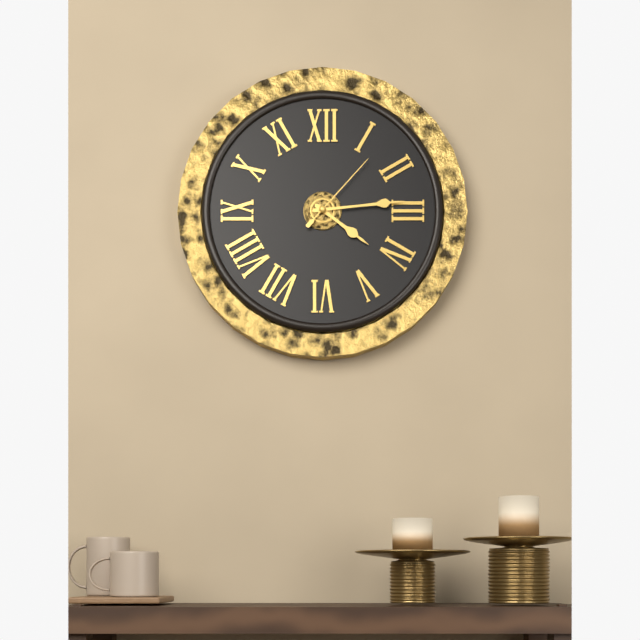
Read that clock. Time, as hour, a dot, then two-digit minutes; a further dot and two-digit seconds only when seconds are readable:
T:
4.14.07
